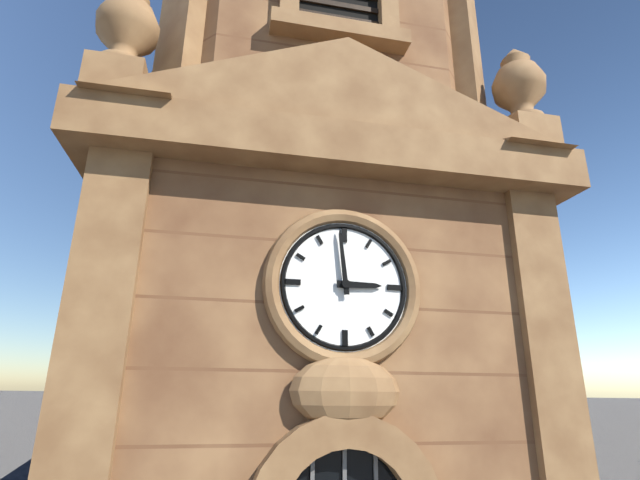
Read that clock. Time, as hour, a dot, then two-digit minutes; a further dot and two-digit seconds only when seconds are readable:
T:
2.59
